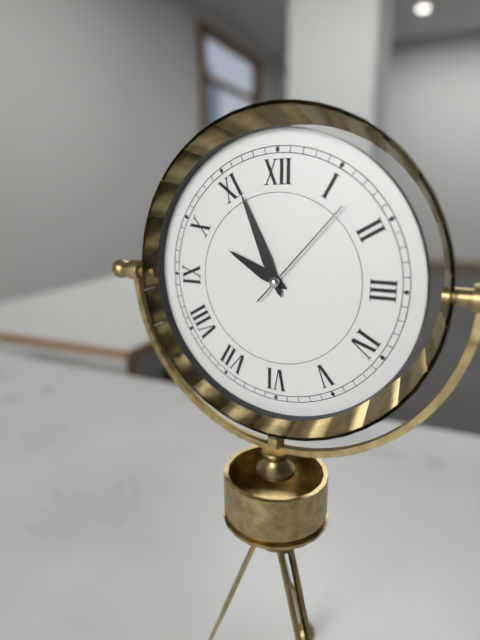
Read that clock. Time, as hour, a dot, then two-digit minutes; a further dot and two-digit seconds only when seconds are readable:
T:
9.56.07
